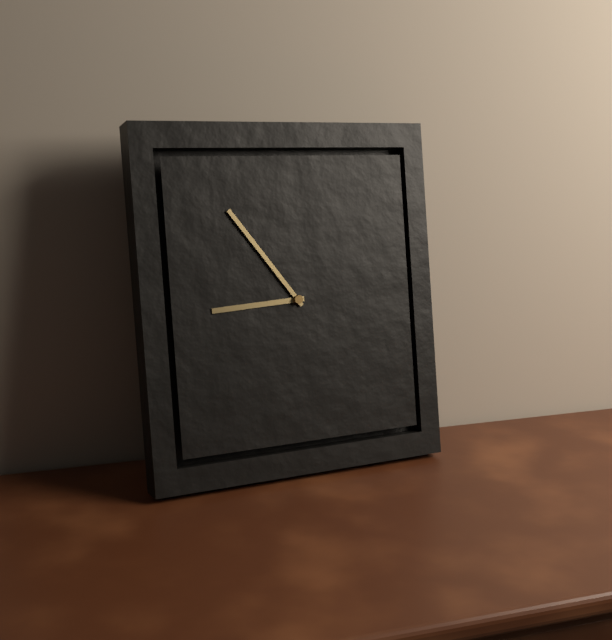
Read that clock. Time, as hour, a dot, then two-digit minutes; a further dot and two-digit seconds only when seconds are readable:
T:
8.54
